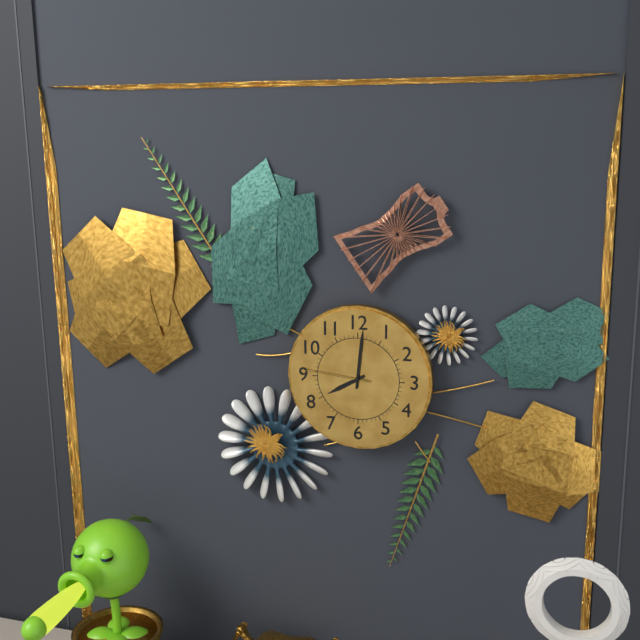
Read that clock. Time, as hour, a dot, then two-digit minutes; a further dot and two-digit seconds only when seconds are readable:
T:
8.01.46
